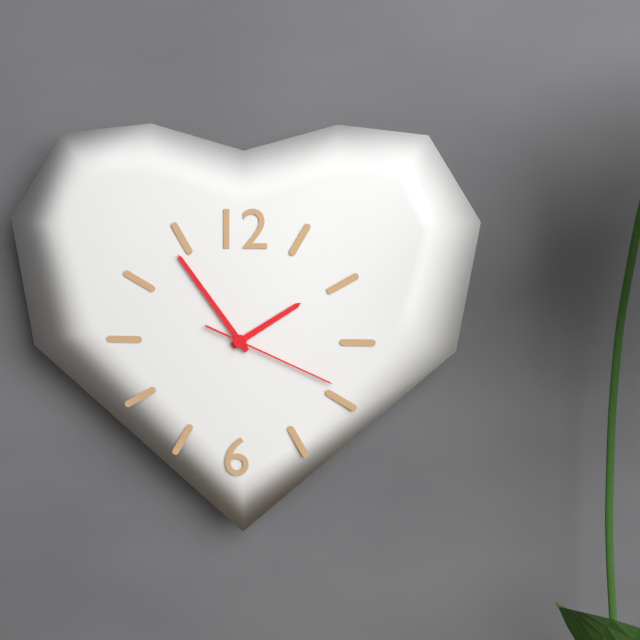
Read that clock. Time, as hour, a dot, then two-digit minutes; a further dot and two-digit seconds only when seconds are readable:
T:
1.54.19
